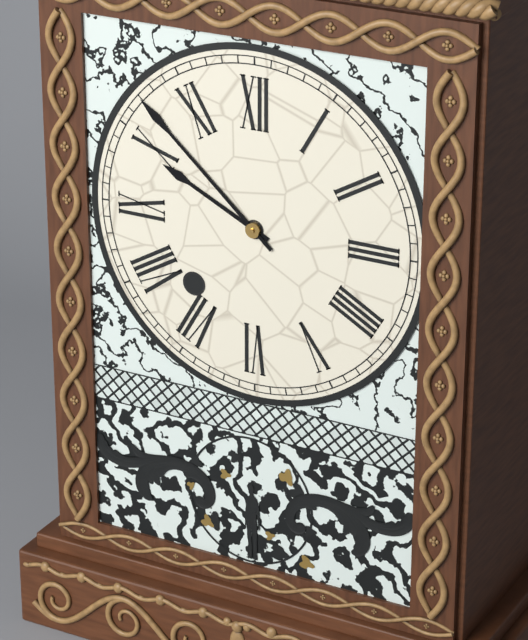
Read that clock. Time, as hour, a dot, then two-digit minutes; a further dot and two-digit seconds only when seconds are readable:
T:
9.52
